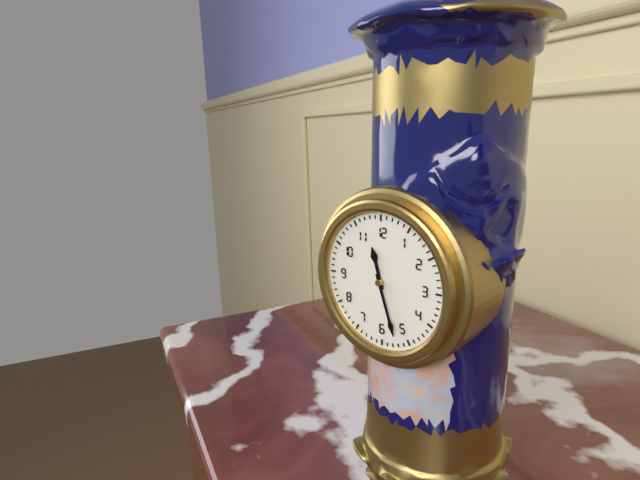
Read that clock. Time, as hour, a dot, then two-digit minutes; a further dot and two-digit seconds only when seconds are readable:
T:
11.27
